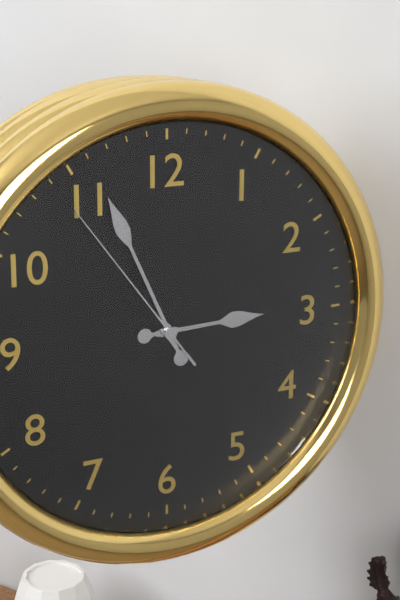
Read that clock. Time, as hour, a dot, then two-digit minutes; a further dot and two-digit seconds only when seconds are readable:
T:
2.56.54
